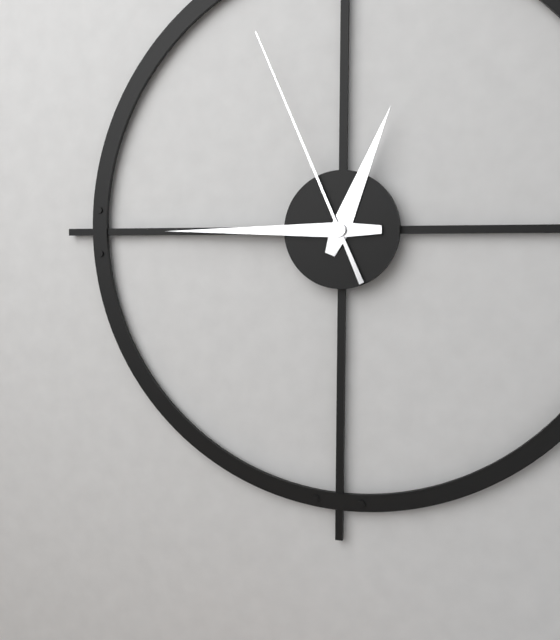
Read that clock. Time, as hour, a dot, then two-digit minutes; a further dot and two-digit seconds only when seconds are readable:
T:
12.45.56
